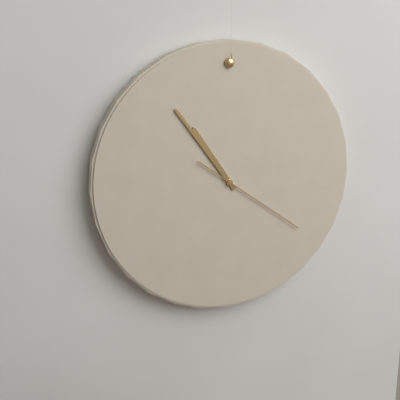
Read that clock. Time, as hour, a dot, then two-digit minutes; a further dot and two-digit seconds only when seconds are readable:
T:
10.54.21
